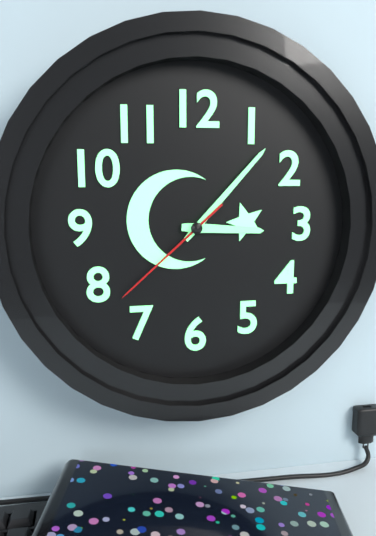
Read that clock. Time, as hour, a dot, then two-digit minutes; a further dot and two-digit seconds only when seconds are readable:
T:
3.07.38
